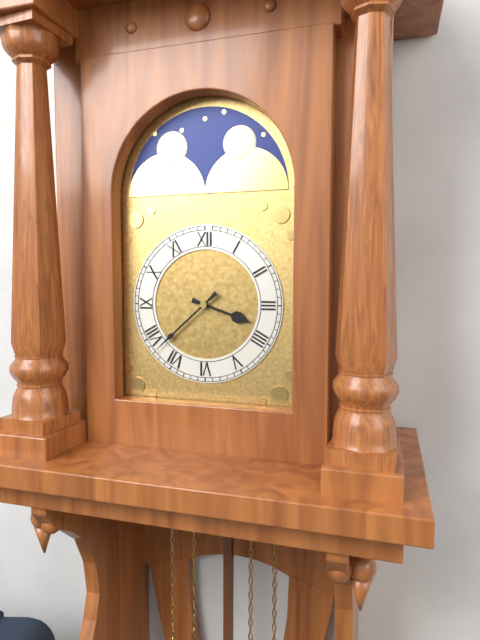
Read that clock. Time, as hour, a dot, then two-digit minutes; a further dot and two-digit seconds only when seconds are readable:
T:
3.38
